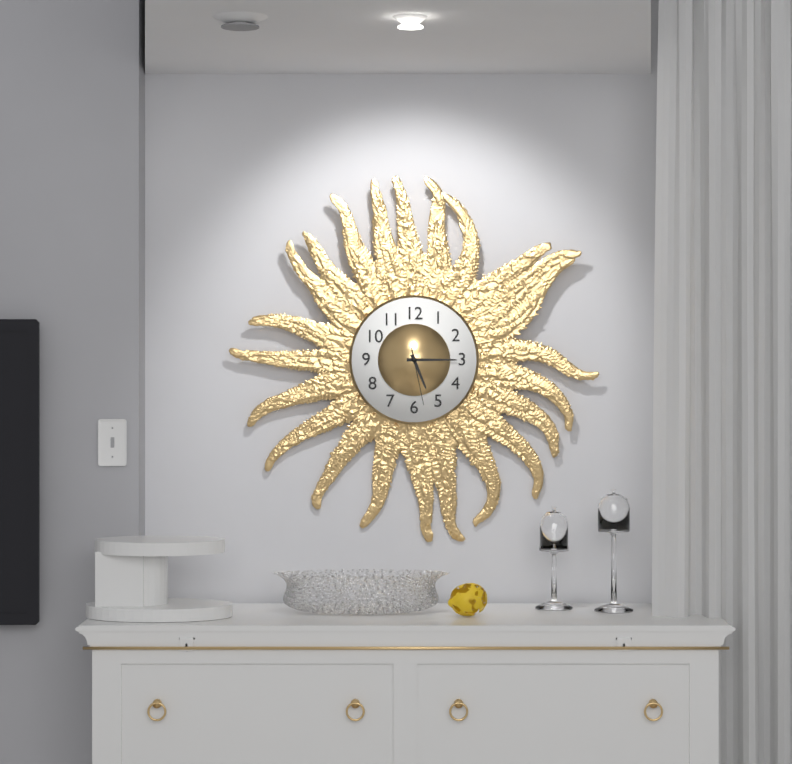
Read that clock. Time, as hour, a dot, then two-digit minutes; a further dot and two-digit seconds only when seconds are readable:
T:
5.15.28
